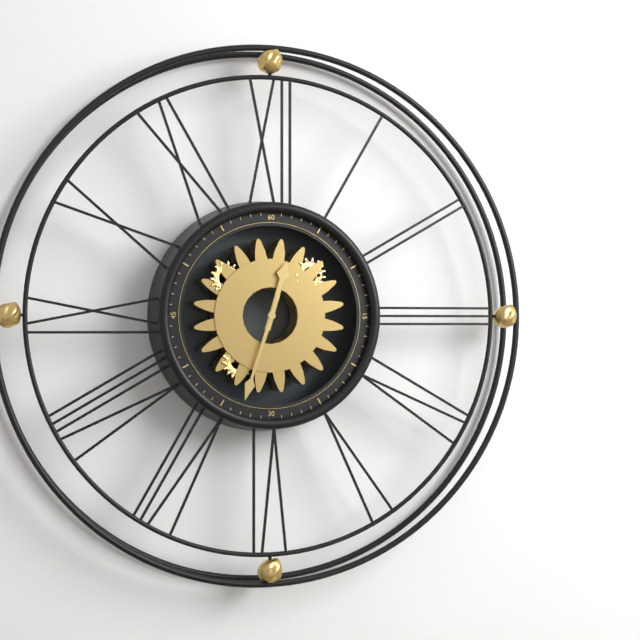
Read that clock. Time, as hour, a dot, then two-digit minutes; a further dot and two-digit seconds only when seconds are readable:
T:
12.33
